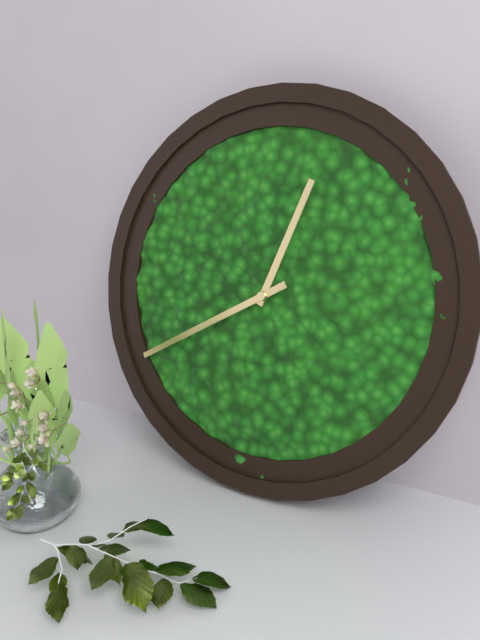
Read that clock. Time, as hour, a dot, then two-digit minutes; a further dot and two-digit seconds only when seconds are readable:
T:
12.40
